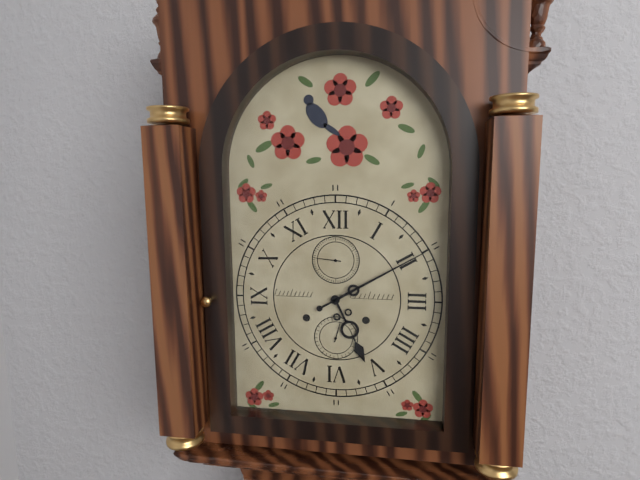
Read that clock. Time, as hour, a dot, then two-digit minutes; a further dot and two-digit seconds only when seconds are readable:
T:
5.10
